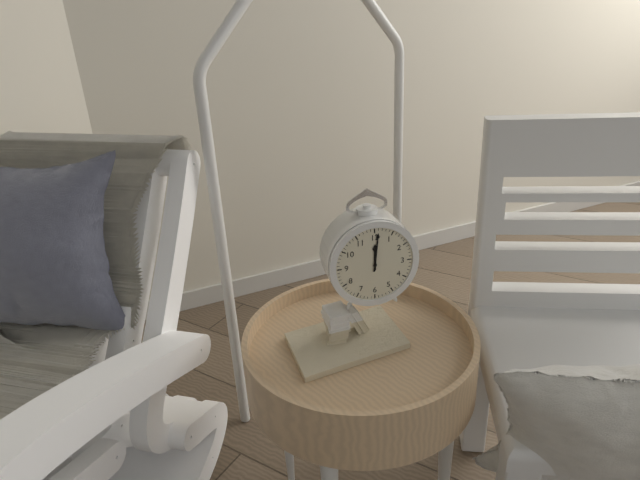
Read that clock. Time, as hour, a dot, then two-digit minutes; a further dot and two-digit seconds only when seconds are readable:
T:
12.01
